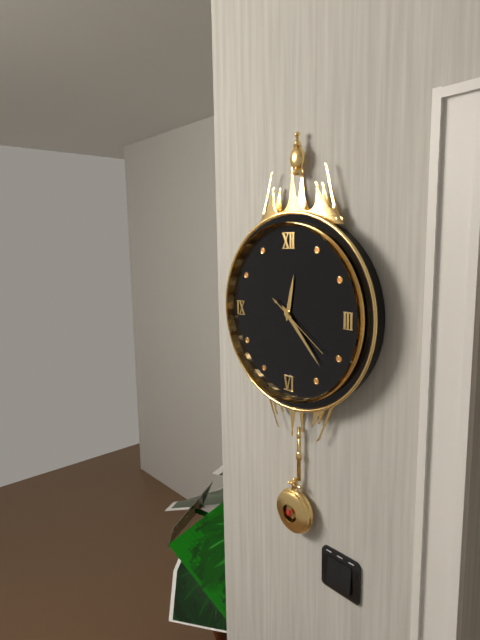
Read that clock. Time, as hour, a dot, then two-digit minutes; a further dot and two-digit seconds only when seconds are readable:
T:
12.23.21
